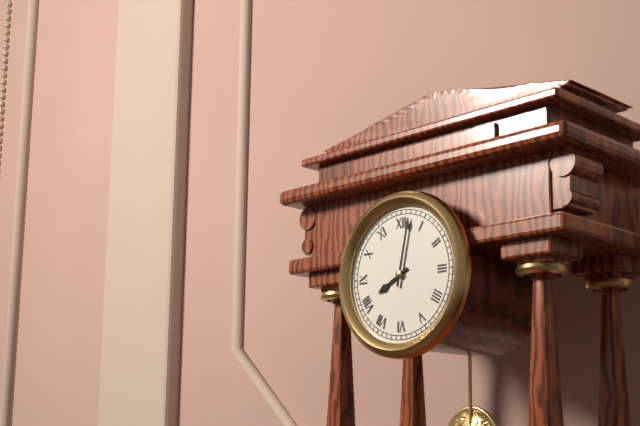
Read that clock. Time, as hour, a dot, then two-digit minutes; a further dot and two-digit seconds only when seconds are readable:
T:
8.02
